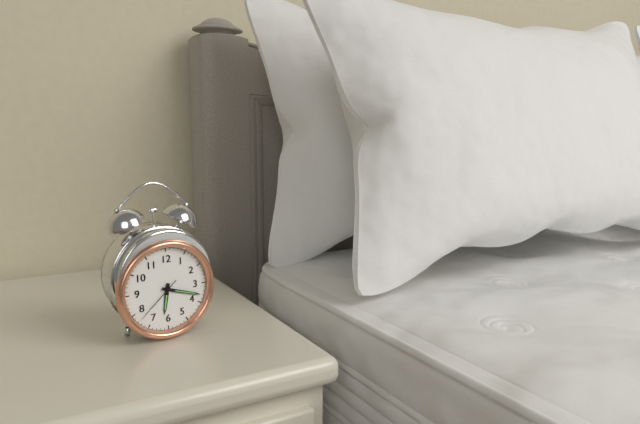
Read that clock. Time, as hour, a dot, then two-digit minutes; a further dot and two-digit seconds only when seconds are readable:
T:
6.18.38
